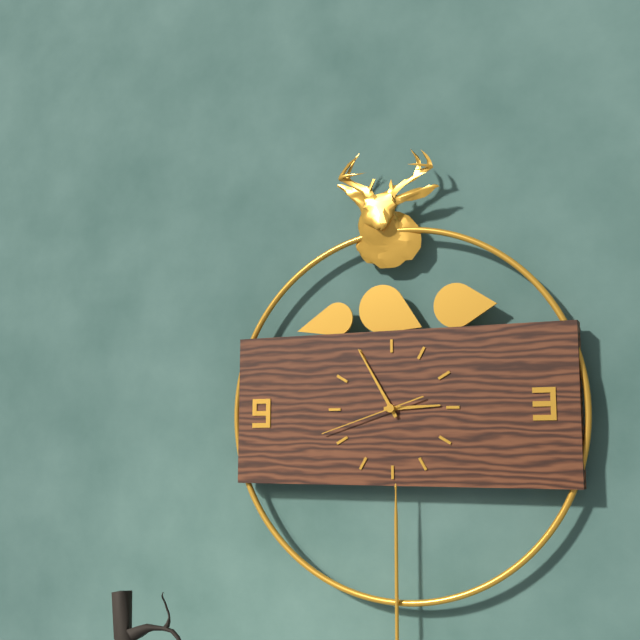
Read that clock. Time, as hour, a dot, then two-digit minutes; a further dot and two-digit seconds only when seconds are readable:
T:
2.55.42
